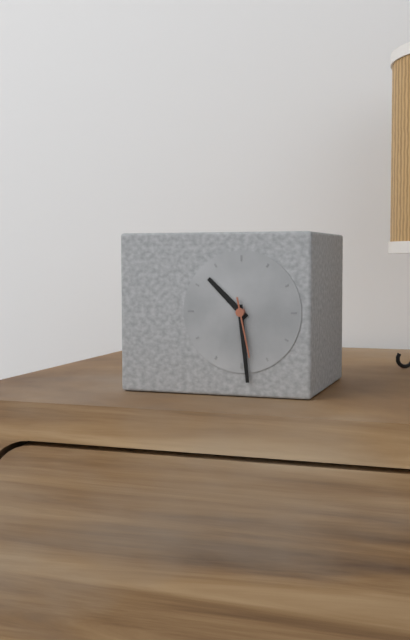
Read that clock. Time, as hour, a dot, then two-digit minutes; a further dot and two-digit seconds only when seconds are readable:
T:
10.29.28
